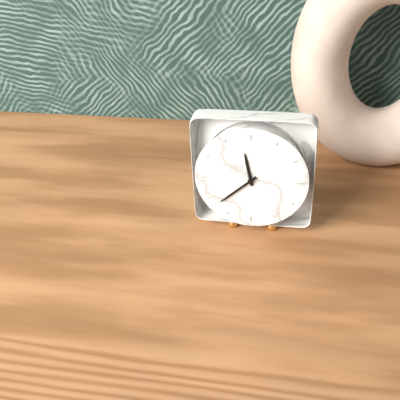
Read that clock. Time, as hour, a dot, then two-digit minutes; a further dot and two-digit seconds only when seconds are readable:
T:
11.38
